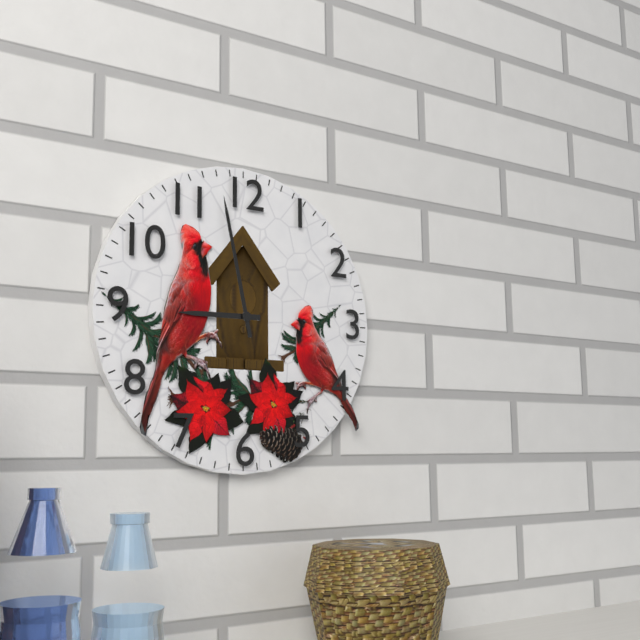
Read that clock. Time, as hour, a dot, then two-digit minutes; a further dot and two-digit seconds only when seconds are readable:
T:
8.58
